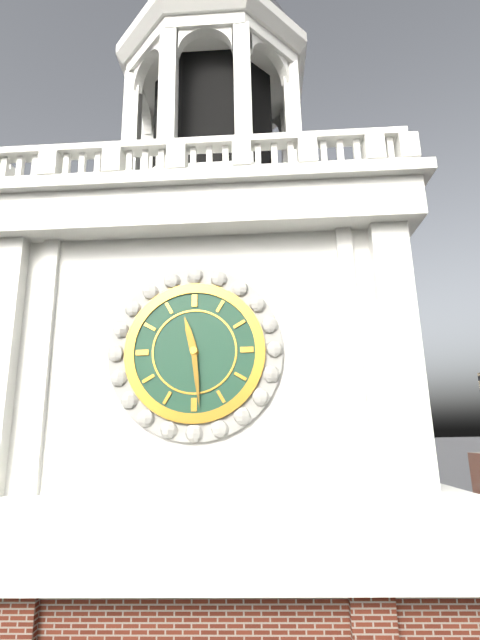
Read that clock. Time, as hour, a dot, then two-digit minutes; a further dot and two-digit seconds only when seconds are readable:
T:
11.29
